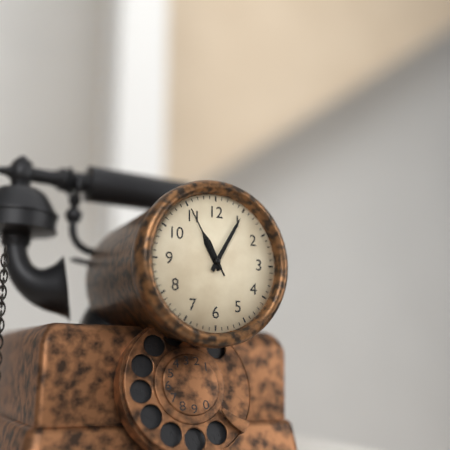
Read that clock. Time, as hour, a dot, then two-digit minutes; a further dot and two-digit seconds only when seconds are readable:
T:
11.05.55
